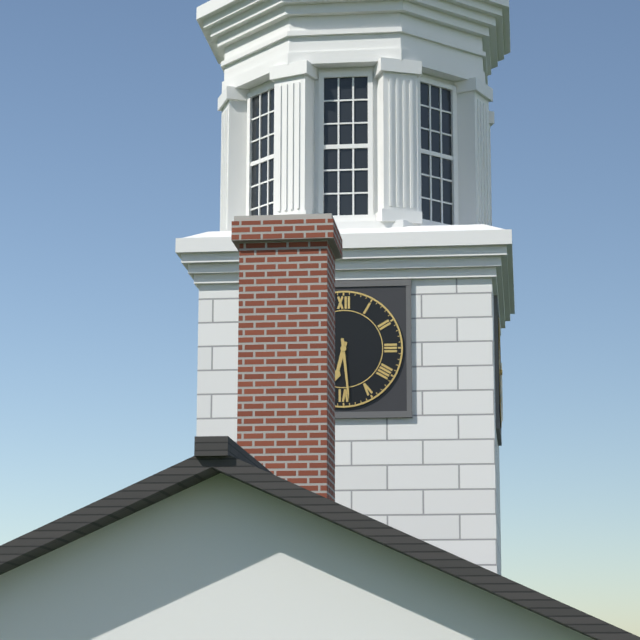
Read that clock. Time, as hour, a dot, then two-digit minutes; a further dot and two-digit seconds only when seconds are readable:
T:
6.29
